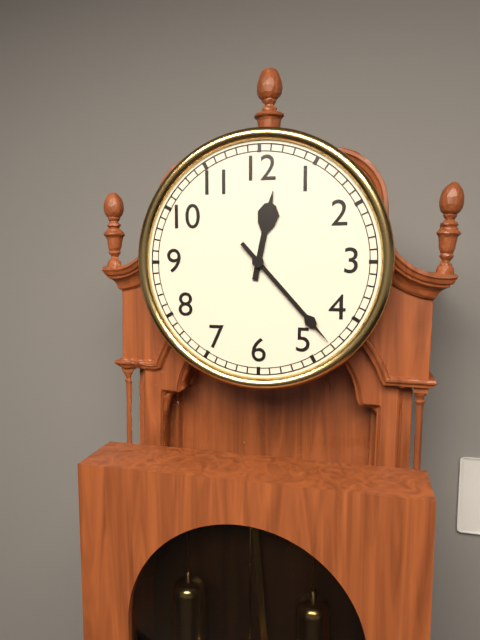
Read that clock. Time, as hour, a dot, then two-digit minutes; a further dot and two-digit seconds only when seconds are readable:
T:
12.23
